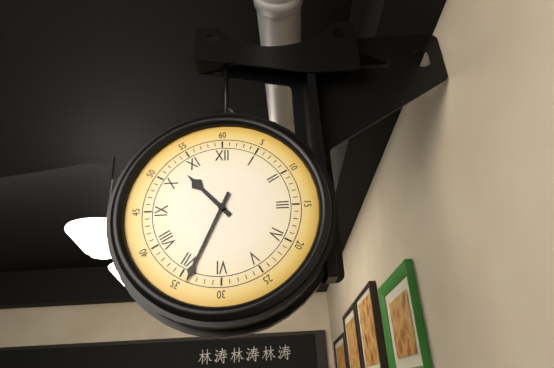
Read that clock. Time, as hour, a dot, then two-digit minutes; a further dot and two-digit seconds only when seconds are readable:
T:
10.34
